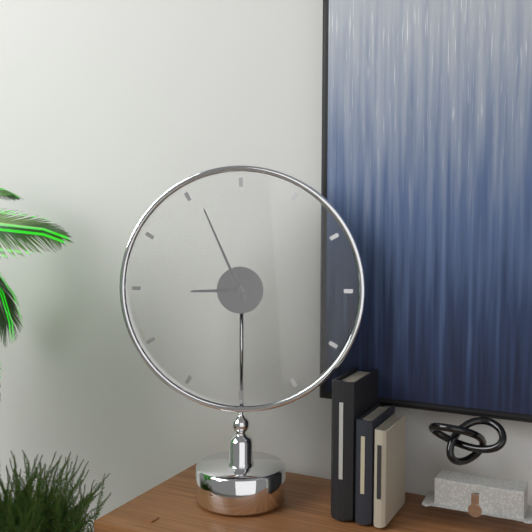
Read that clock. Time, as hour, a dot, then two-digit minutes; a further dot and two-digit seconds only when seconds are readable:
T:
8.56
